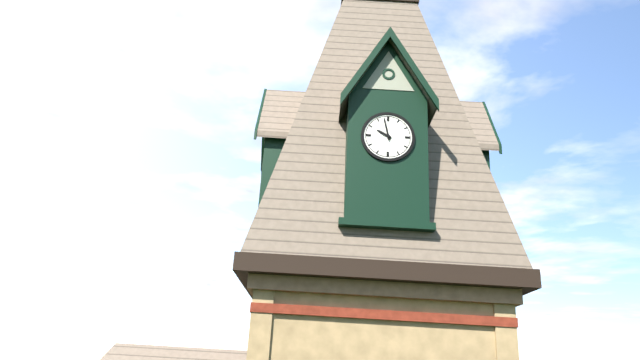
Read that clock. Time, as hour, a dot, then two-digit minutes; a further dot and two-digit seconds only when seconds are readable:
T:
9.58
